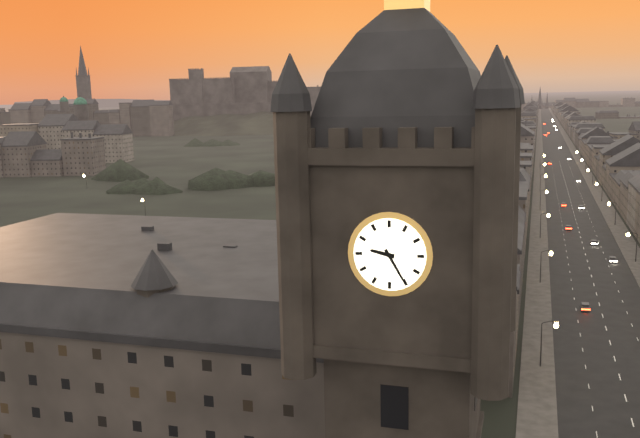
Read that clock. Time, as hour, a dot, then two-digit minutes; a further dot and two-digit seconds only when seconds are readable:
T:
9.25
